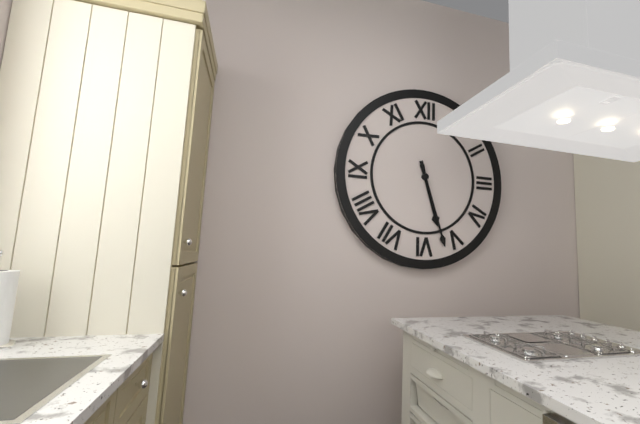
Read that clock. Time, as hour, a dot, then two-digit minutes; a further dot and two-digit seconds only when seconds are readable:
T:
5.27
